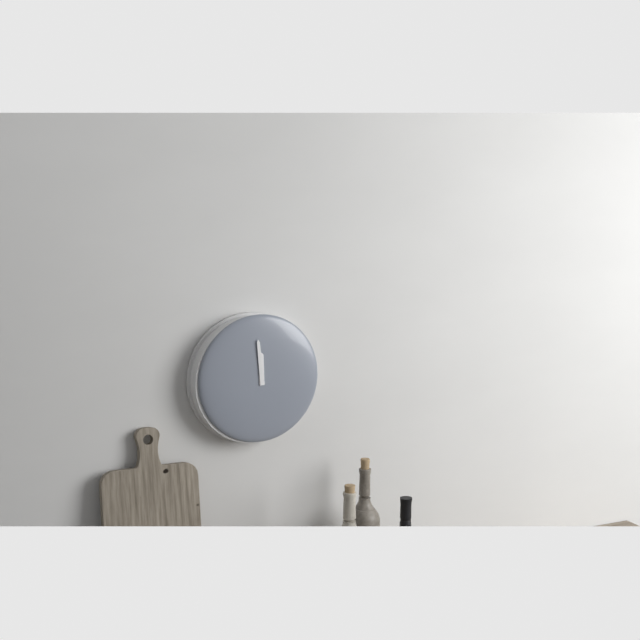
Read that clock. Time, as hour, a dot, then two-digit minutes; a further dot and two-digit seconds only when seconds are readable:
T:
11.59
